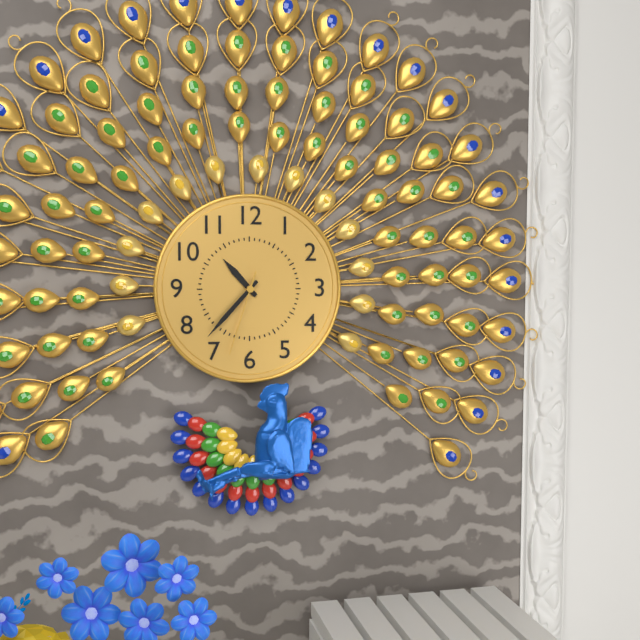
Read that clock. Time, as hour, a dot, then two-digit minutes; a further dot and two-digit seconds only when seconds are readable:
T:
10.37.33
